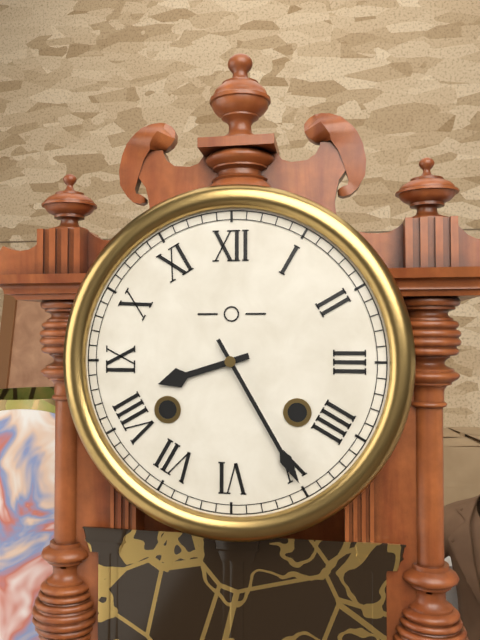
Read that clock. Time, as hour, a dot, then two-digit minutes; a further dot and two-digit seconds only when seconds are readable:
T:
8.25
